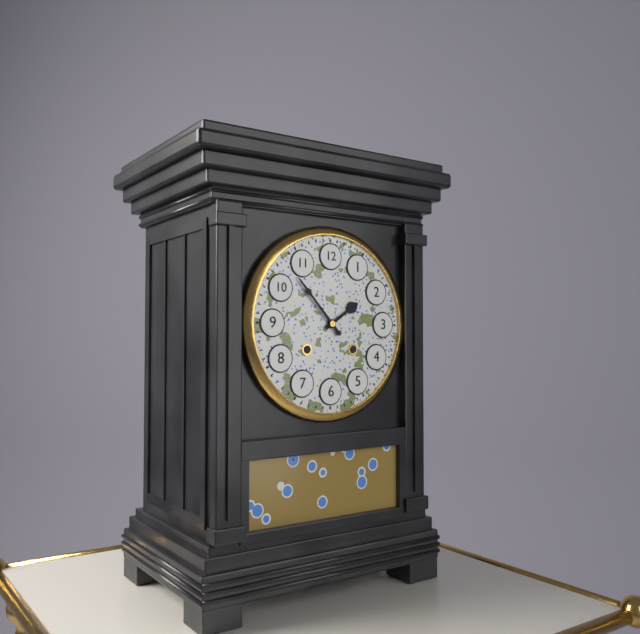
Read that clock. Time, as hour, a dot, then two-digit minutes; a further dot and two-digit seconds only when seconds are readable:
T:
1.53
